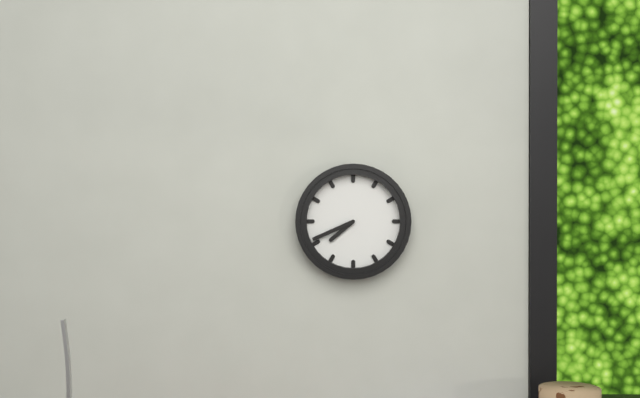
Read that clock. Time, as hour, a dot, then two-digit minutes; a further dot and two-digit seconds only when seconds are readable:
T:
7.41
